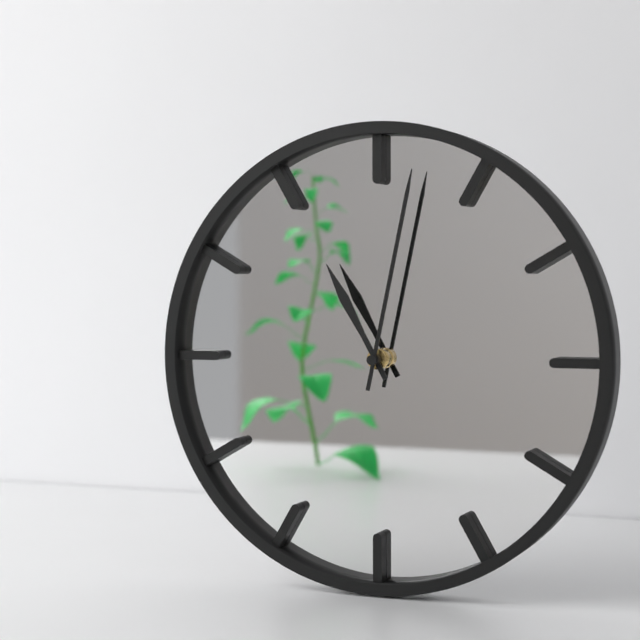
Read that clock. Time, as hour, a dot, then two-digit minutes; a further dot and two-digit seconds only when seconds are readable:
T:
11.02
